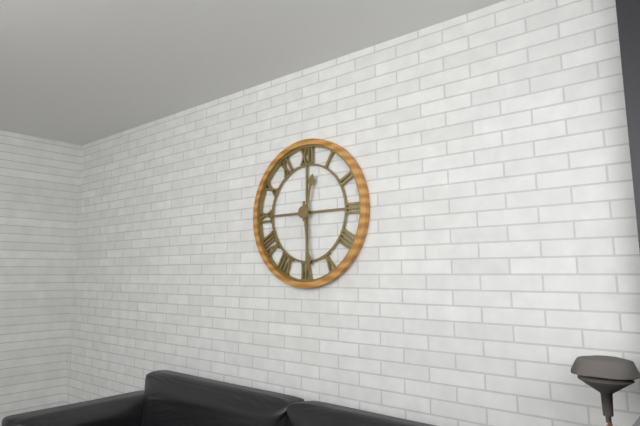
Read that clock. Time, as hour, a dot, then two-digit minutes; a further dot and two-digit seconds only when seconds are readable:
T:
12.29
